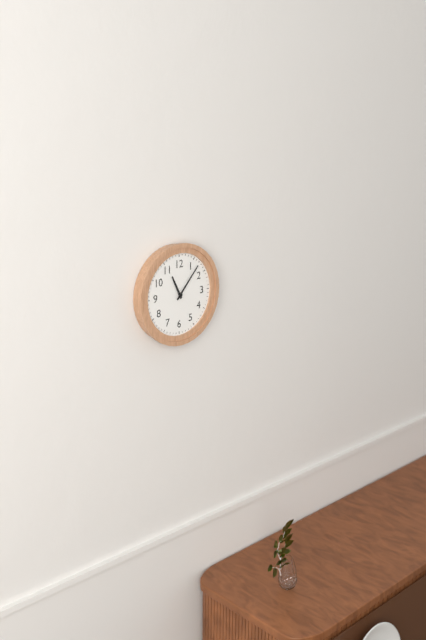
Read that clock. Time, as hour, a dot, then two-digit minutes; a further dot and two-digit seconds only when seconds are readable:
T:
11.07
